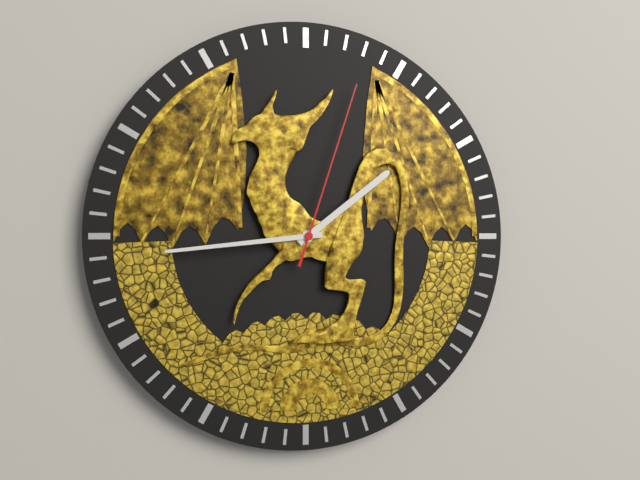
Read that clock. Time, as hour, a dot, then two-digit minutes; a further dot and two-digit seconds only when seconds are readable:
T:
1.44.03
